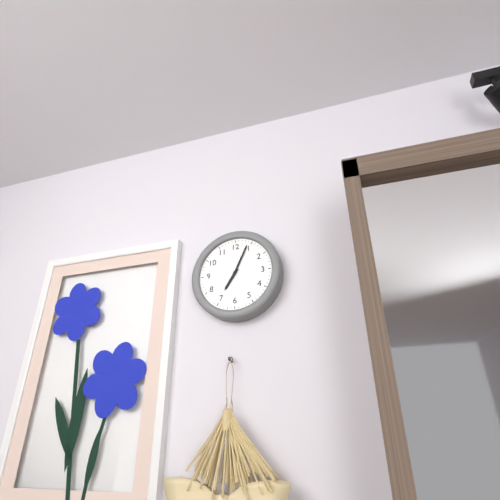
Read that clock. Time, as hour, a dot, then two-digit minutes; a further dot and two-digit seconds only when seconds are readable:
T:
7.04
